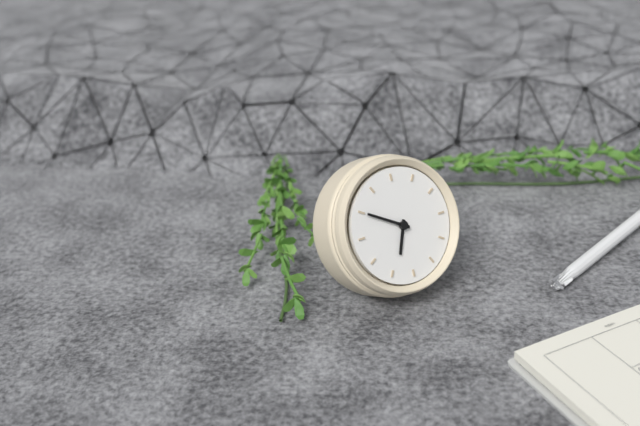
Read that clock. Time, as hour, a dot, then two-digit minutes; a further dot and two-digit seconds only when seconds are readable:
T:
5.45
